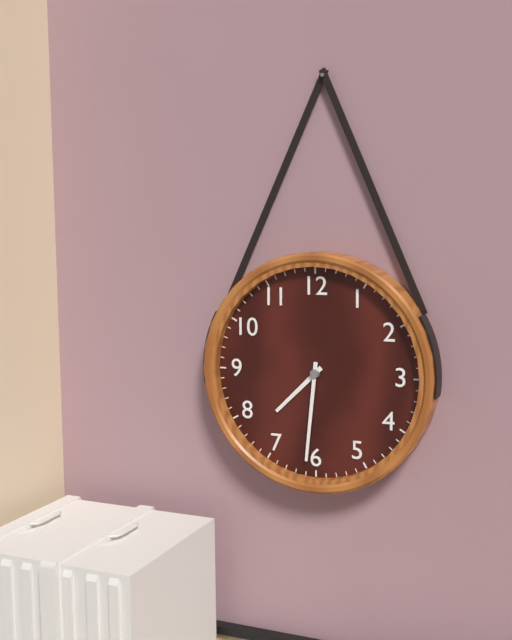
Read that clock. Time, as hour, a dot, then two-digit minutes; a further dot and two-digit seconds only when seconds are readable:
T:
7.31
